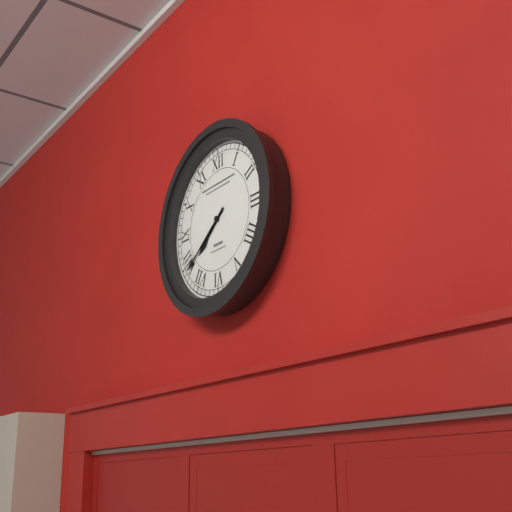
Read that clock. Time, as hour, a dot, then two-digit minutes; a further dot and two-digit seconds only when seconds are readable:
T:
7.39
